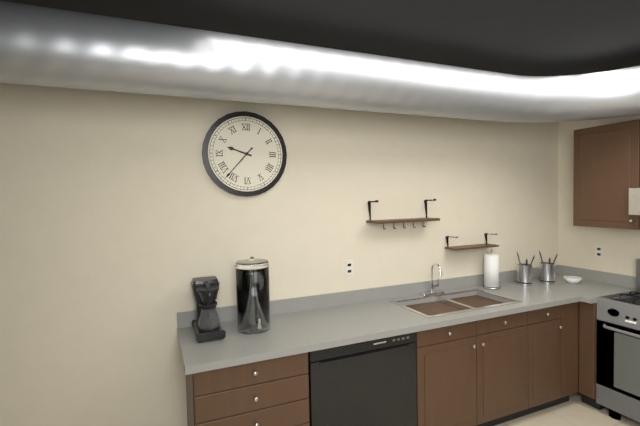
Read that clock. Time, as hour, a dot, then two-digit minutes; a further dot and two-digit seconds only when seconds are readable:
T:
9.37
